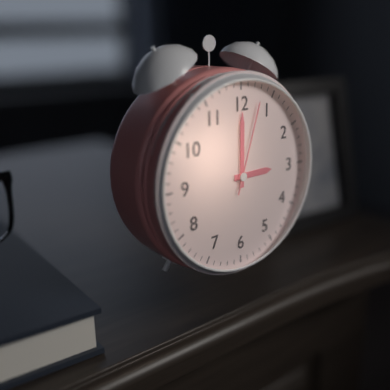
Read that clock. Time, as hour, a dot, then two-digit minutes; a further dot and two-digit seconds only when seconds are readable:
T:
3.00.03
